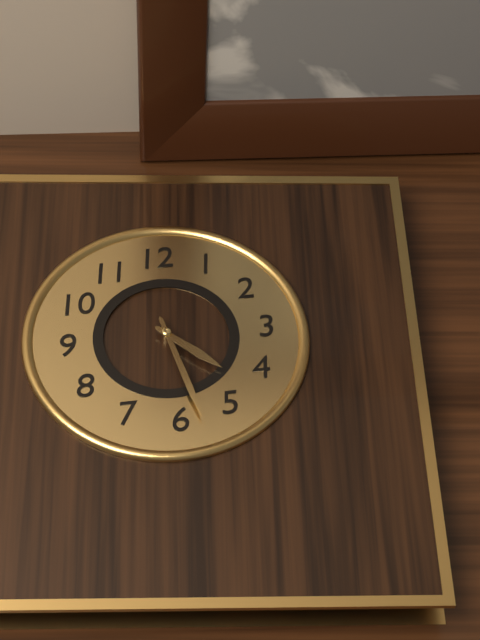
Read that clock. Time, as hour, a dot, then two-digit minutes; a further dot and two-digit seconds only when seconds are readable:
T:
4.28
